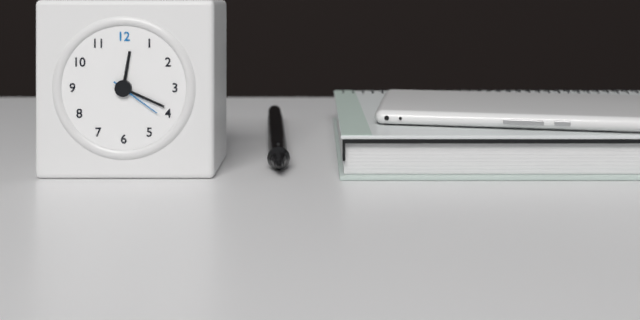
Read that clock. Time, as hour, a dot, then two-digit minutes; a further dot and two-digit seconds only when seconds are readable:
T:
12.19.21
